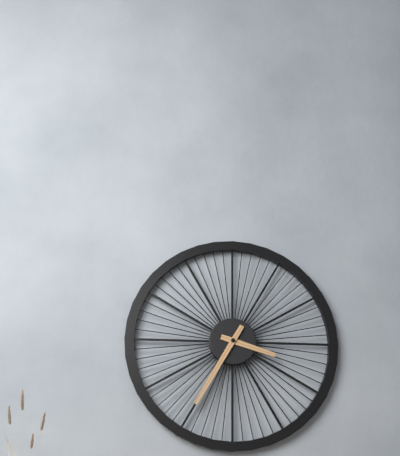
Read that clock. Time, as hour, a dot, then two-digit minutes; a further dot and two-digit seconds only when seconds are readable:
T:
3.35
